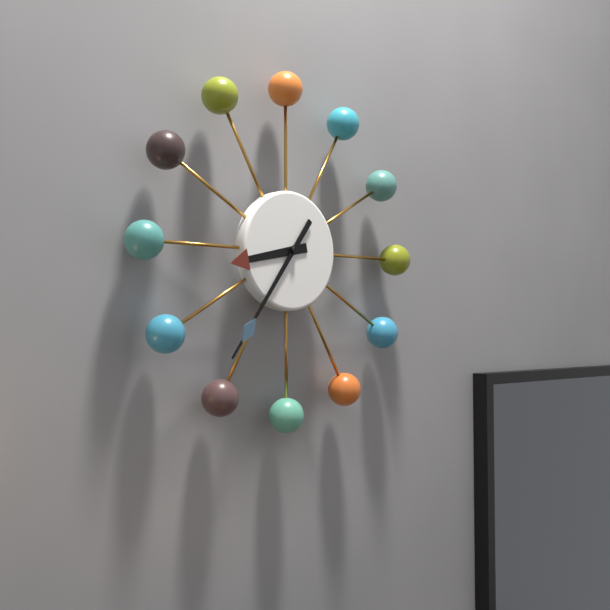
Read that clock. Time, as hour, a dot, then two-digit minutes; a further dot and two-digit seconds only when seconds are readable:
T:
8.36
